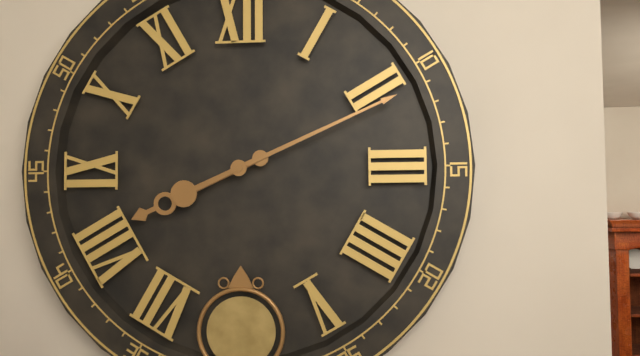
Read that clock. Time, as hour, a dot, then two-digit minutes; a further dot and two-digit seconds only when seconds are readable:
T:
8.11
